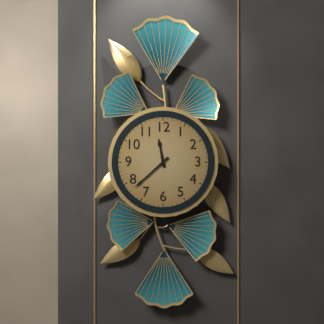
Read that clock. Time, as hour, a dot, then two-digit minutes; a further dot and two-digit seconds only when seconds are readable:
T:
11.38
